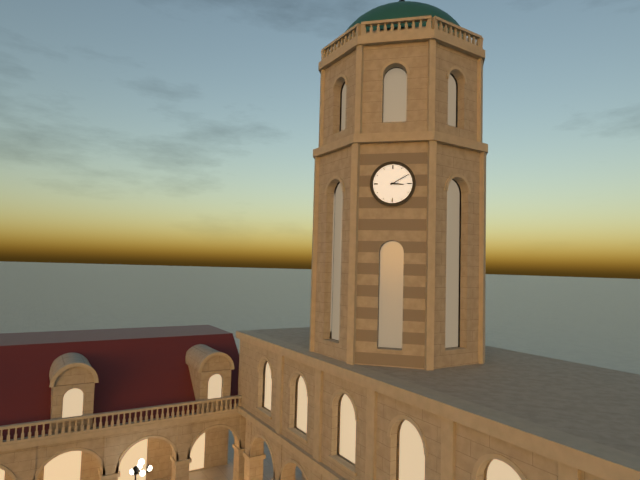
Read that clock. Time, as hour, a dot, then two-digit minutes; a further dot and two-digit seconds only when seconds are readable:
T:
3.10
